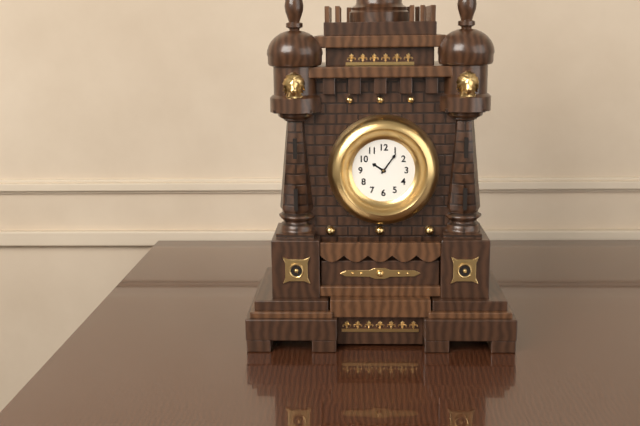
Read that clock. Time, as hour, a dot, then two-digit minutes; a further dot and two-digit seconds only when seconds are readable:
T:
10.06
